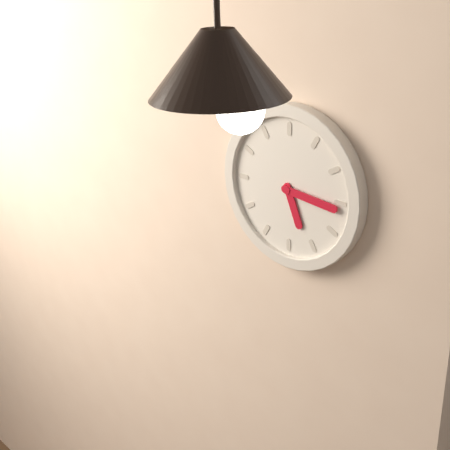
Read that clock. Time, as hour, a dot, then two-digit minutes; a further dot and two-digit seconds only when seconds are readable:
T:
5.16
